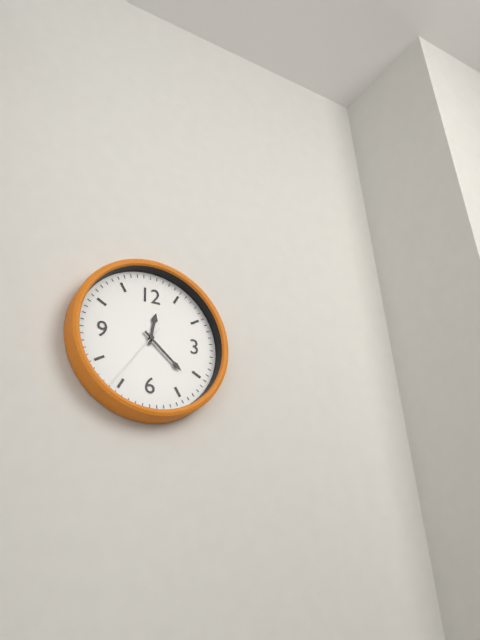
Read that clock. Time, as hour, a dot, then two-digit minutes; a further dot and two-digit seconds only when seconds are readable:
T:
12.22.36
